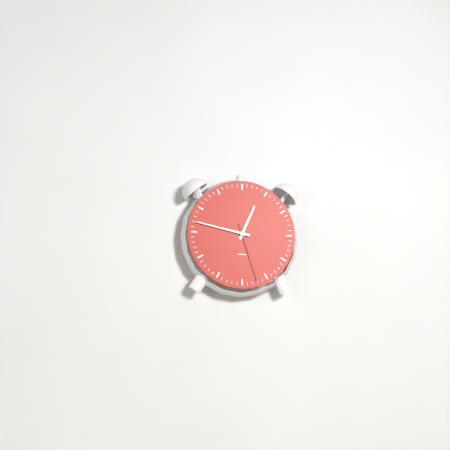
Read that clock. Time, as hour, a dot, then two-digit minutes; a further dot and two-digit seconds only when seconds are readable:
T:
12.47.27
